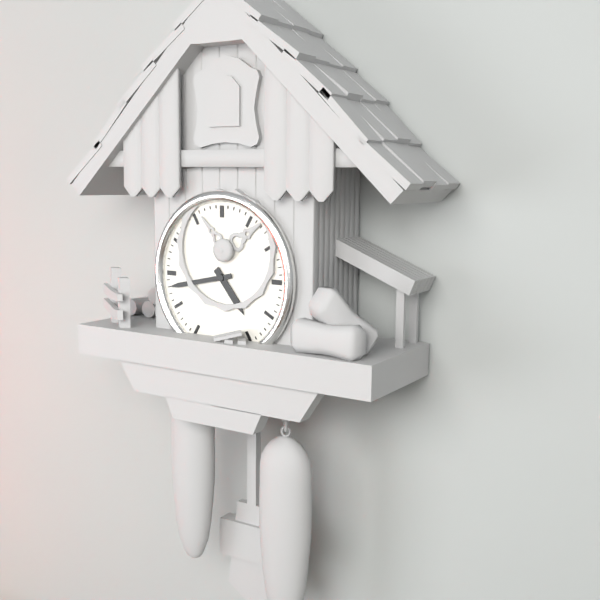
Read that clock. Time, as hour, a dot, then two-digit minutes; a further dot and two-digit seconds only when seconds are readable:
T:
4.43
